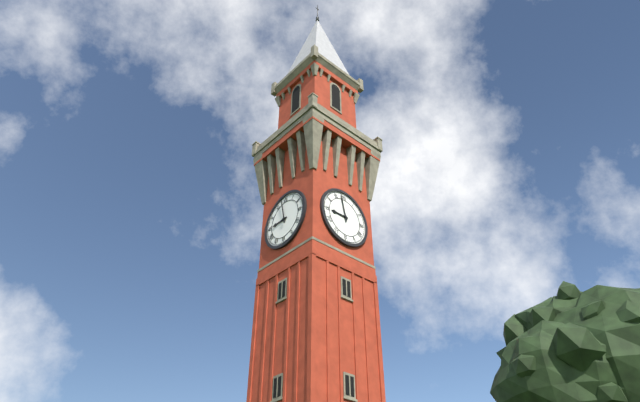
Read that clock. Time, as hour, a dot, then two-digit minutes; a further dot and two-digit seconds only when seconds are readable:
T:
8.58
